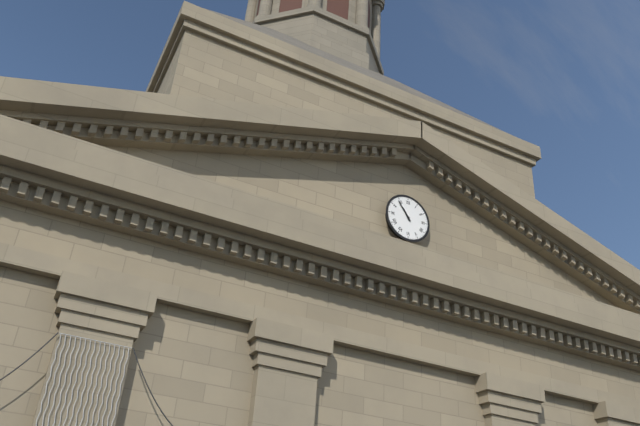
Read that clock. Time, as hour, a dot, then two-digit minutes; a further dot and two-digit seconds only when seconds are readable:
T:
10.54
